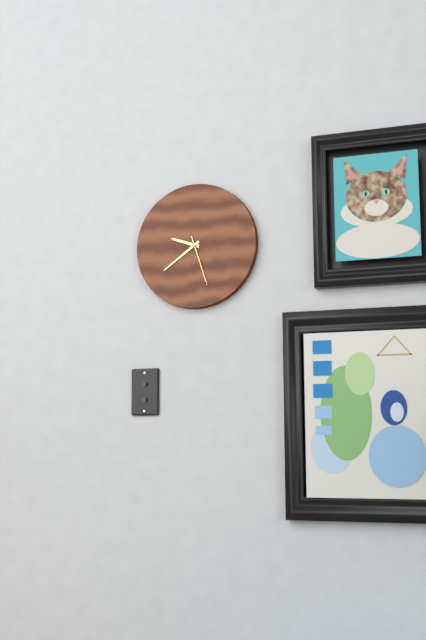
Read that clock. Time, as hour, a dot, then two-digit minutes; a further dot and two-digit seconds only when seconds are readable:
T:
9.39.27
